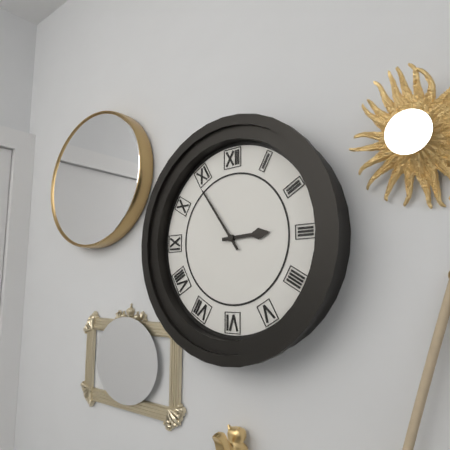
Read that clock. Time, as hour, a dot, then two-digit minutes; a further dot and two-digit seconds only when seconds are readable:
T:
2.54
